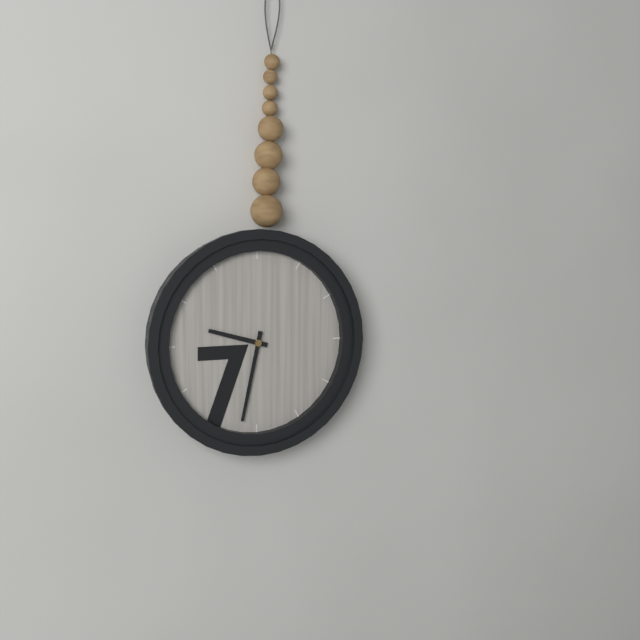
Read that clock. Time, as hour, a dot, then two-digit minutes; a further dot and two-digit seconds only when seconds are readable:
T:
9.32
